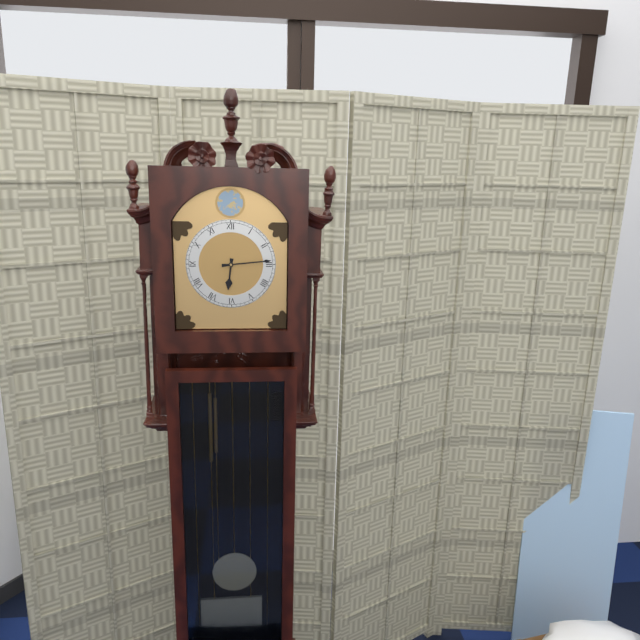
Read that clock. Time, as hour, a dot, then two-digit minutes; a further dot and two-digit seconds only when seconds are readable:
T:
6.14
